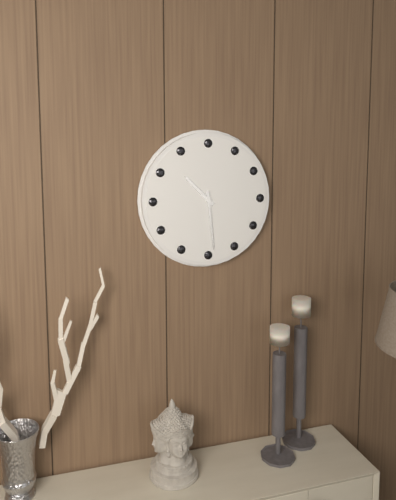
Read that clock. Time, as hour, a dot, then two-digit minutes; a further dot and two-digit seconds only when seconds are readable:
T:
10.29
